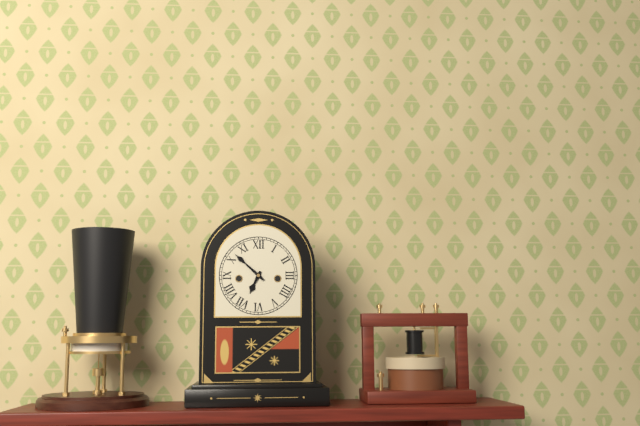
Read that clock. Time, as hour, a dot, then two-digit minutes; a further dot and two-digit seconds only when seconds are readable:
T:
6.52
